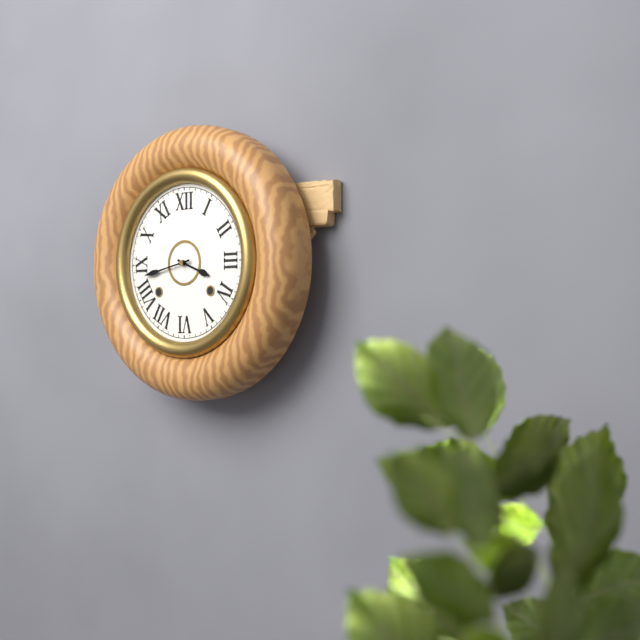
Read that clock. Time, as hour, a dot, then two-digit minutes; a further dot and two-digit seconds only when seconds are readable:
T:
3.43
